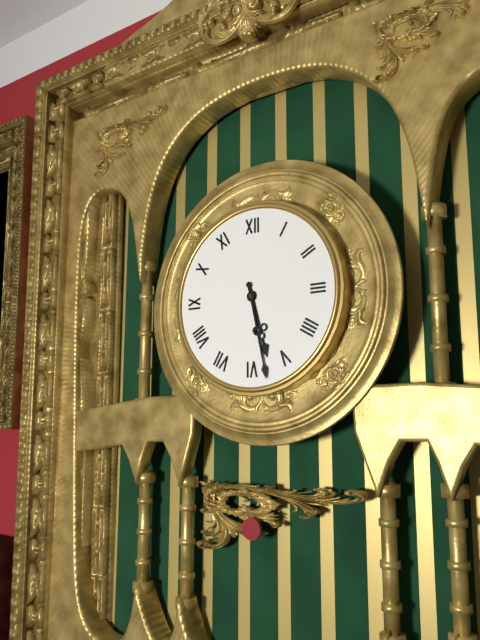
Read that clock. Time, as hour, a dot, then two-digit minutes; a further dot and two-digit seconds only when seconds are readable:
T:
5.28
